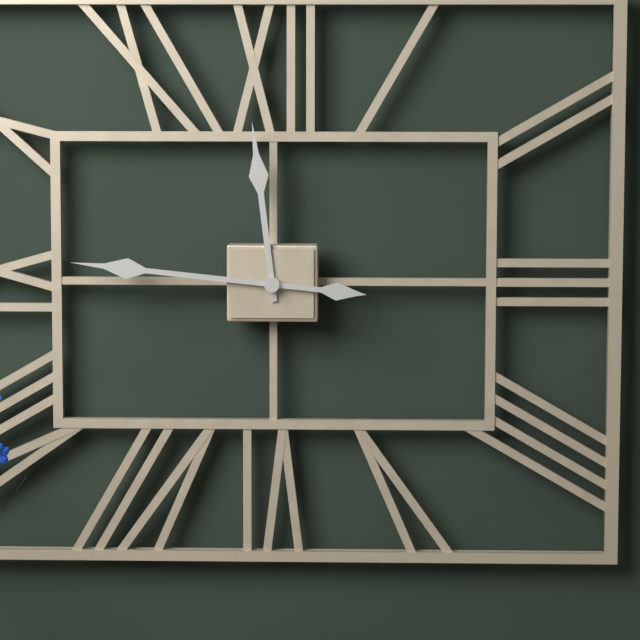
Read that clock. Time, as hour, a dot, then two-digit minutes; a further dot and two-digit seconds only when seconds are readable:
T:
11.46
